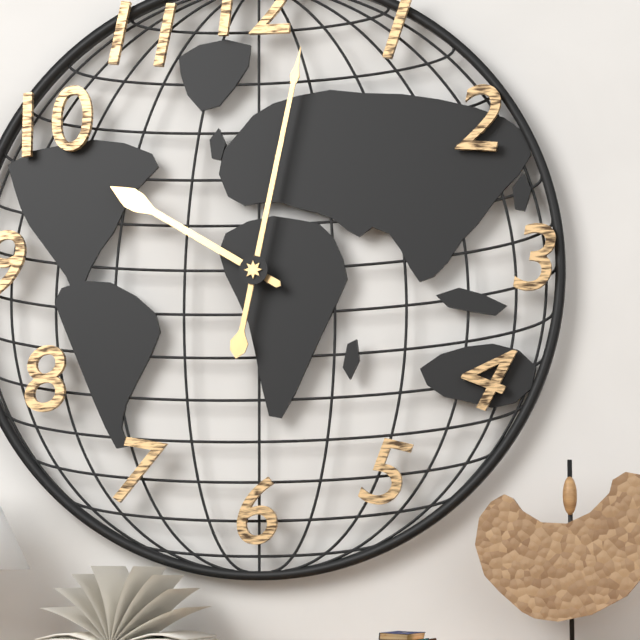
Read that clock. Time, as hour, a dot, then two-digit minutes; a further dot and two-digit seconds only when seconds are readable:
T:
10.02
